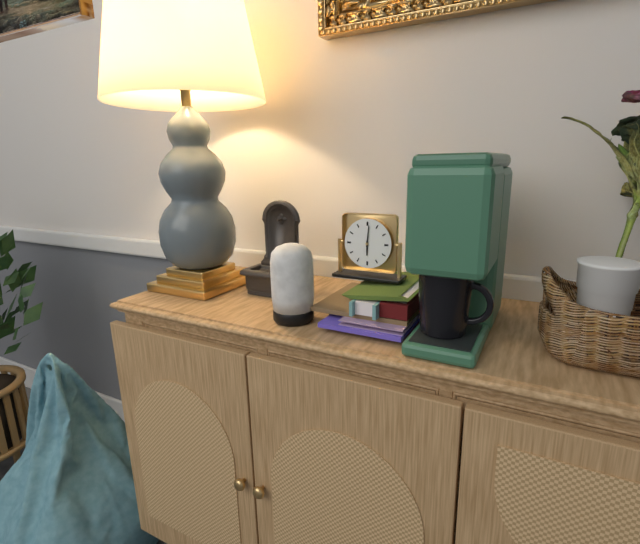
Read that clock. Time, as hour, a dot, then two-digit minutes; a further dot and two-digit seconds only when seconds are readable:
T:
6.01
